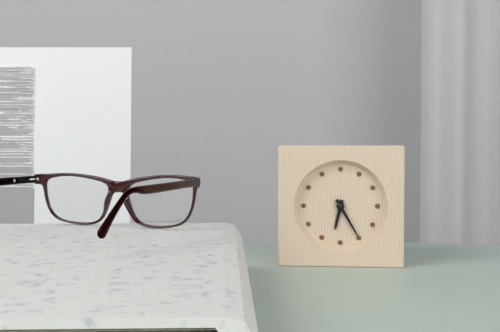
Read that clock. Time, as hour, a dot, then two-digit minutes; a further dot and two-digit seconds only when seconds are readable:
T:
6.25
